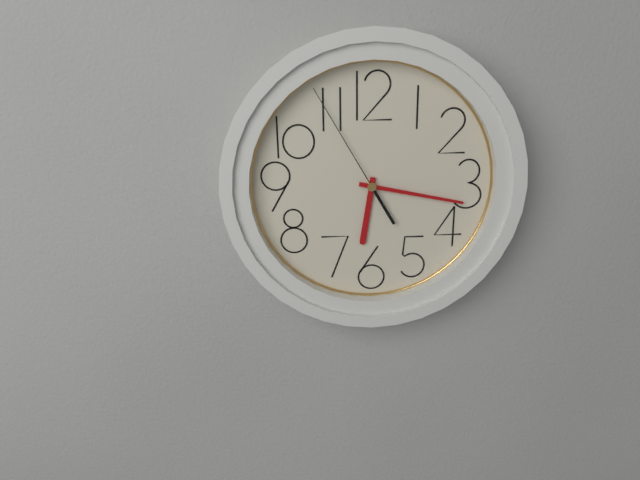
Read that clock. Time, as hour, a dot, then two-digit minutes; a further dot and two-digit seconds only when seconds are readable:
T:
6.17.55
